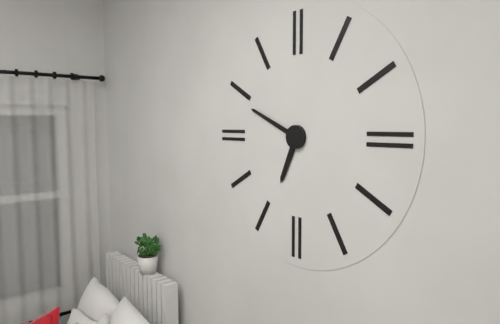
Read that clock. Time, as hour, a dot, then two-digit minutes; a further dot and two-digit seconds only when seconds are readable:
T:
6.49
